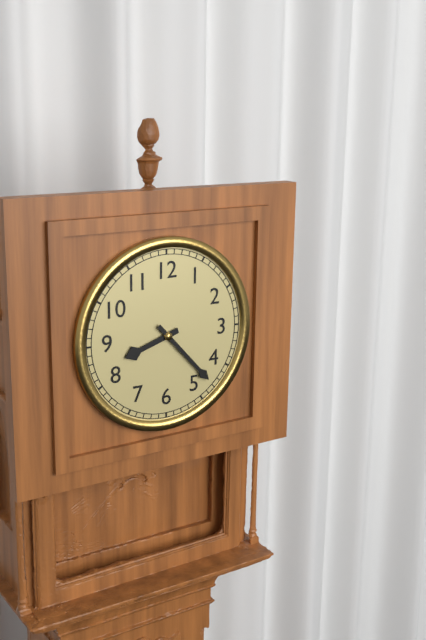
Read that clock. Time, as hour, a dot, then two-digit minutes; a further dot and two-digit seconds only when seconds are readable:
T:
8.23
